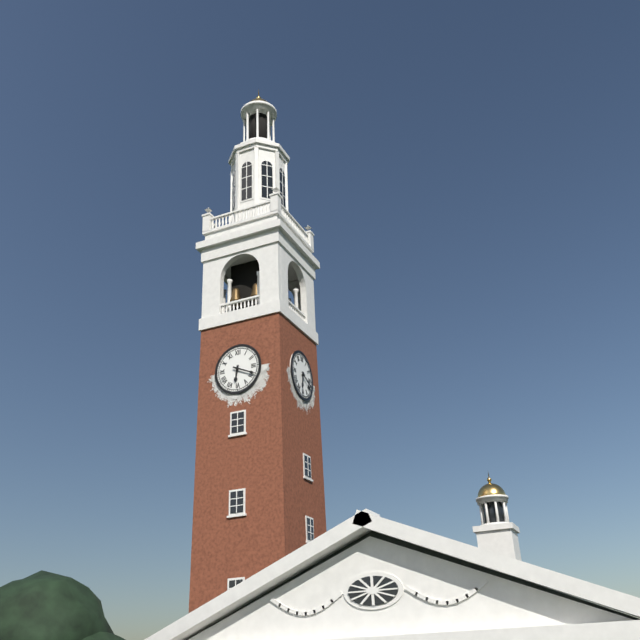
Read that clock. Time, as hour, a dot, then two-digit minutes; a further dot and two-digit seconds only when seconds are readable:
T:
6.19
